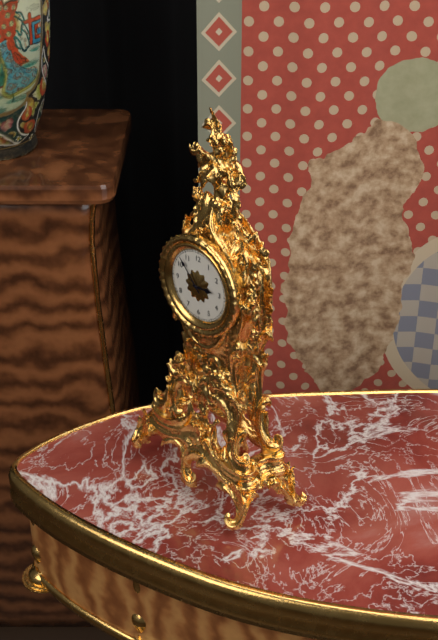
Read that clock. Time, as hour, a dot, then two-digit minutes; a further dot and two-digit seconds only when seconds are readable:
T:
2.53
